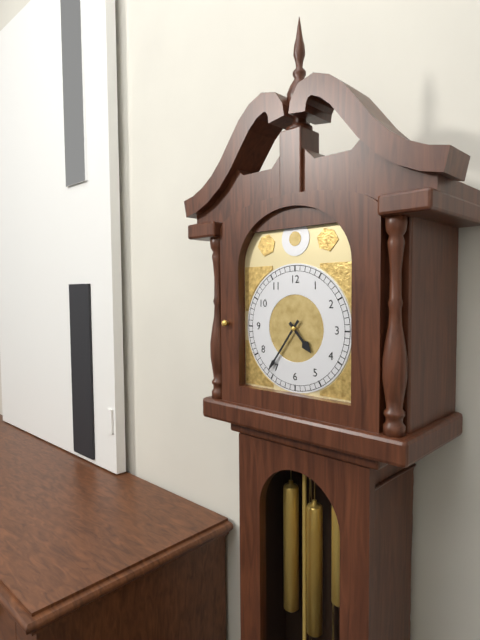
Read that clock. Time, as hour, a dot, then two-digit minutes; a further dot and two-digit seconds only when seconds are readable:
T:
4.36
